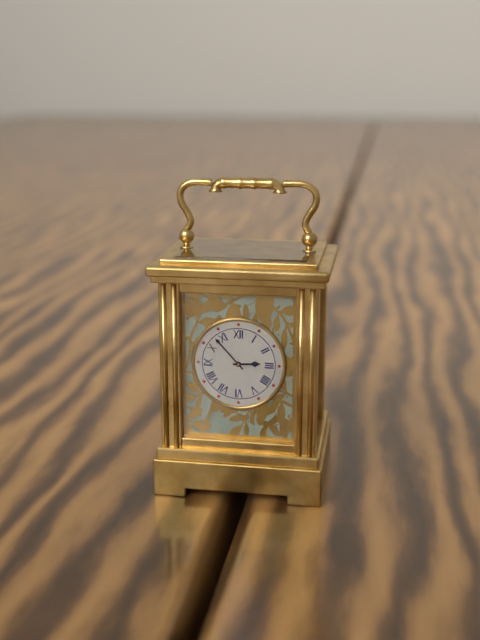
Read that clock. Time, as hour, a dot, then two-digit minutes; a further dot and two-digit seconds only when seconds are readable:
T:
2.53
